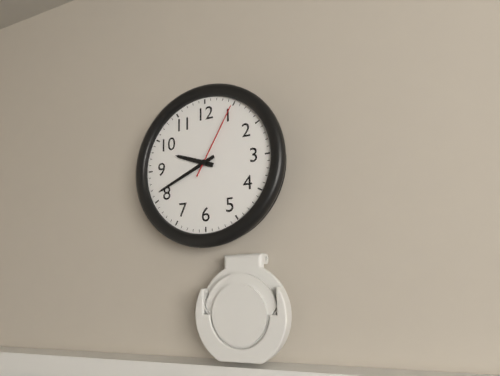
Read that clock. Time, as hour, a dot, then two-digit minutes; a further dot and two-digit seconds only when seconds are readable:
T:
9.41.05
